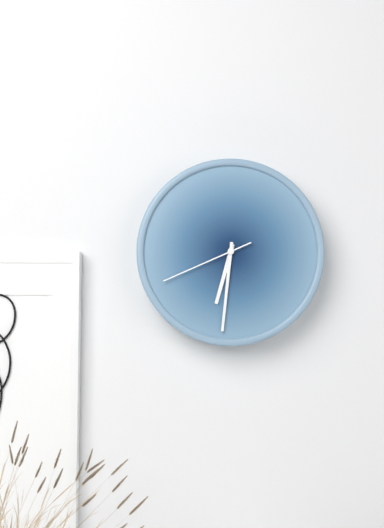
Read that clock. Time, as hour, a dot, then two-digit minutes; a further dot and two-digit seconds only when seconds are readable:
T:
6.31.41
